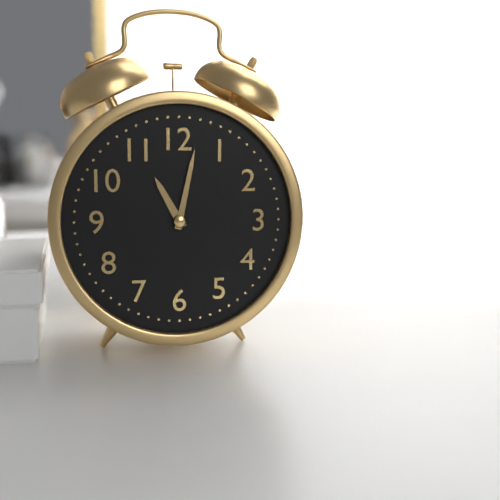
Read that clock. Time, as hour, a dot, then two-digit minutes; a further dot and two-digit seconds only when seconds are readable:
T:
11.02
